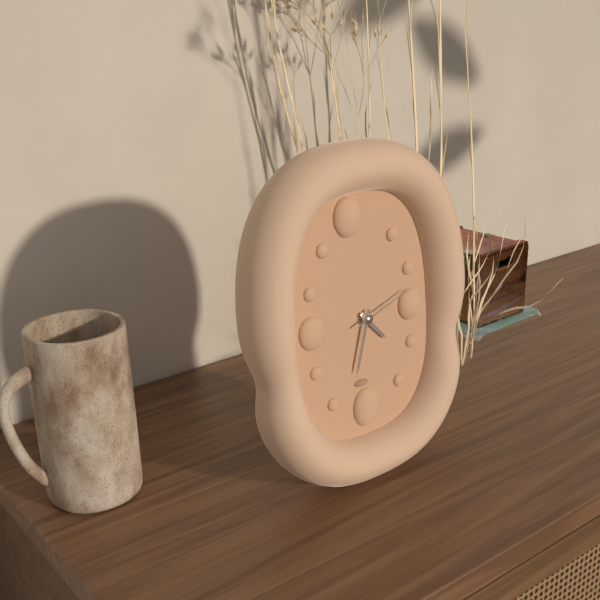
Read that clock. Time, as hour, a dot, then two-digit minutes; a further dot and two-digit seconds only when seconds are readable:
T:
4.33.12
